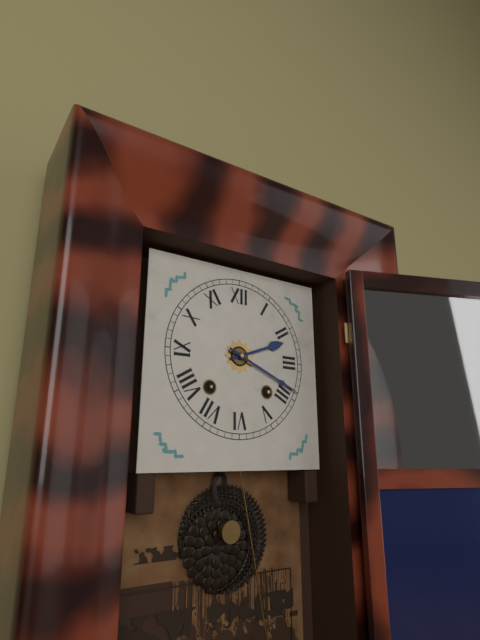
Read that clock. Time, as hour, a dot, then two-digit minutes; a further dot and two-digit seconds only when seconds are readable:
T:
2.19
